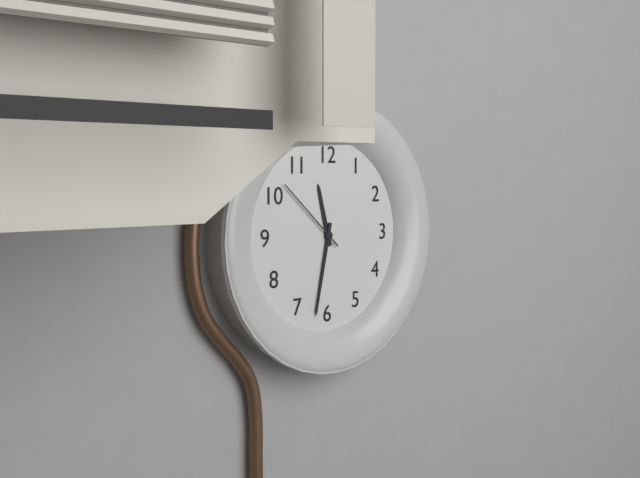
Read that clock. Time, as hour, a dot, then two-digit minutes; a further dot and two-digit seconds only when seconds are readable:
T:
11.32.52
